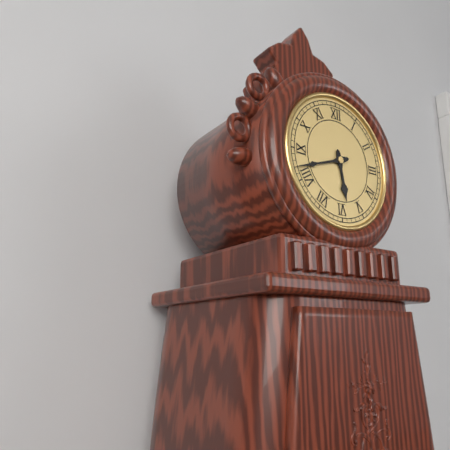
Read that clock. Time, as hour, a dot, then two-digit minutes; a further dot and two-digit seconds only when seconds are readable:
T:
5.42
